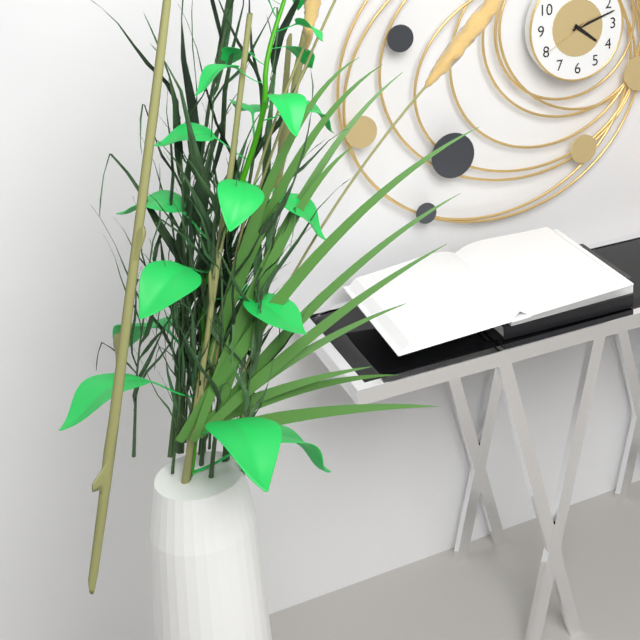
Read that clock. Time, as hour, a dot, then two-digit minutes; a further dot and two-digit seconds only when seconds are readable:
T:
4.12.40
